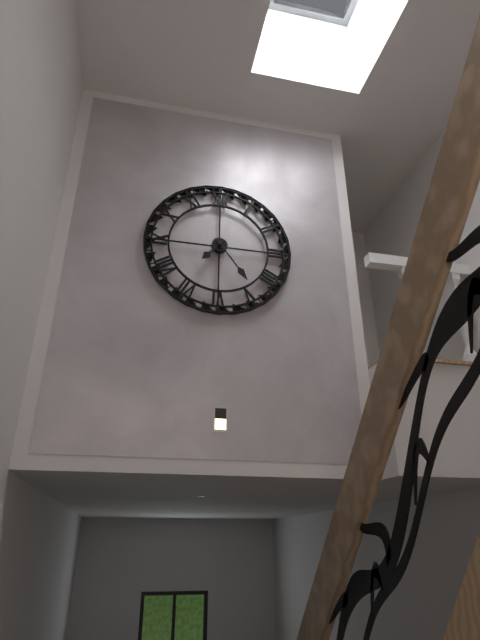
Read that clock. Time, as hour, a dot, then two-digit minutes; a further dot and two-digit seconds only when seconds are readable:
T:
7.24
